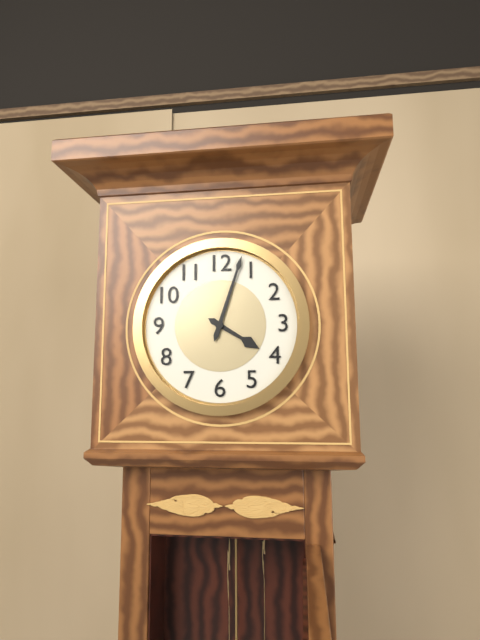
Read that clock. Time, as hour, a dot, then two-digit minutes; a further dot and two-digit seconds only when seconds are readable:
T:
4.03
